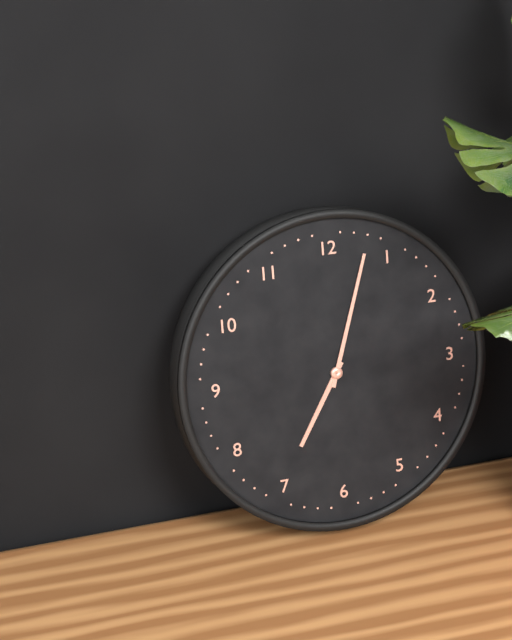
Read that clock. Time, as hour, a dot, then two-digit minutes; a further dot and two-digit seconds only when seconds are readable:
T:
7.03
